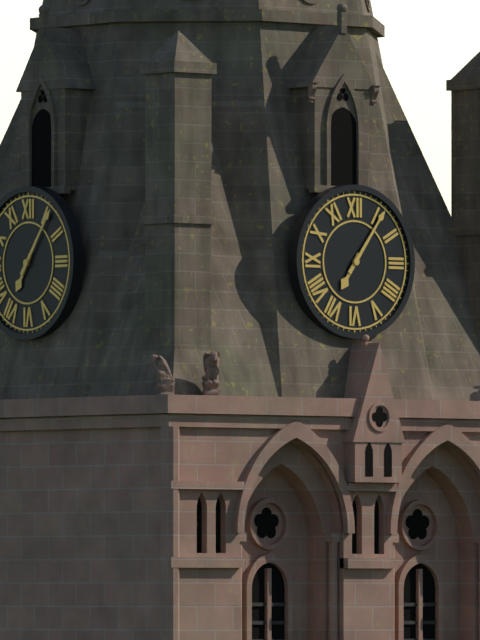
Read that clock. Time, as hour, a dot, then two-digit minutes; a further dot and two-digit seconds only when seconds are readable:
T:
7.06
